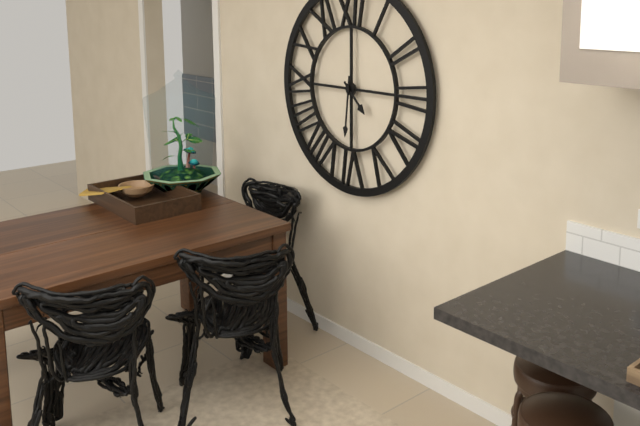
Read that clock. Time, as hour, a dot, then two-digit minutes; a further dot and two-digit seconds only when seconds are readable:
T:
4.31
